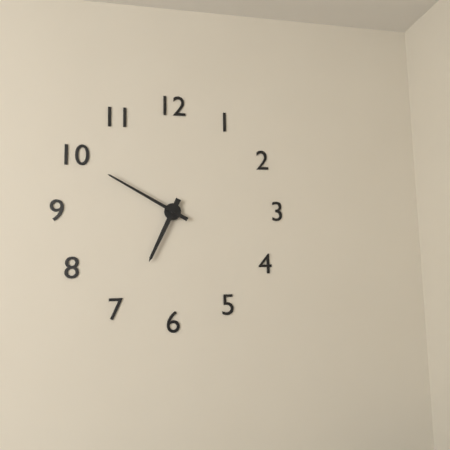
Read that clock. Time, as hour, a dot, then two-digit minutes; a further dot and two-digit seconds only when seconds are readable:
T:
6.50
